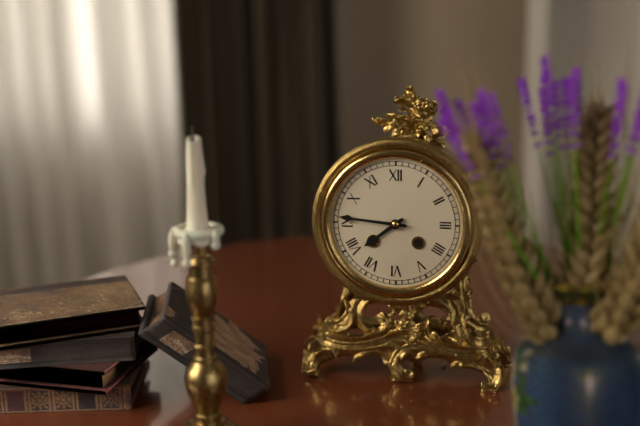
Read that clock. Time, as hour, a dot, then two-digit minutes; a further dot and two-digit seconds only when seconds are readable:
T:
7.46
